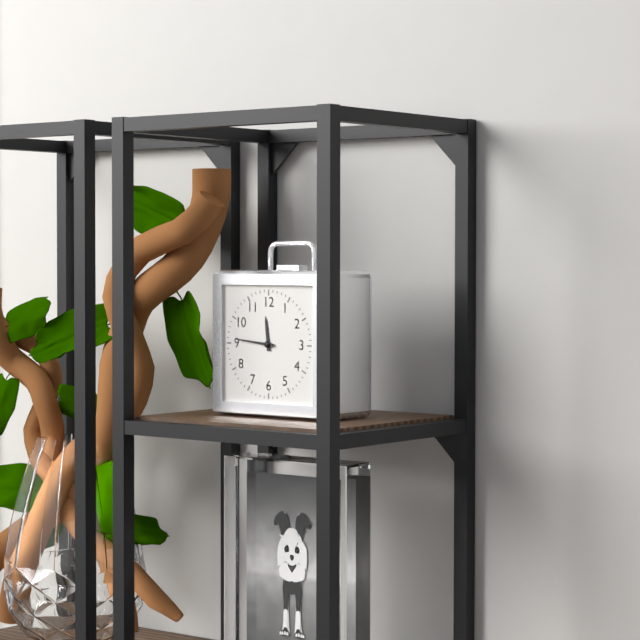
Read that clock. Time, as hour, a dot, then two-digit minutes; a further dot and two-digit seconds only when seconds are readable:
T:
11.46
